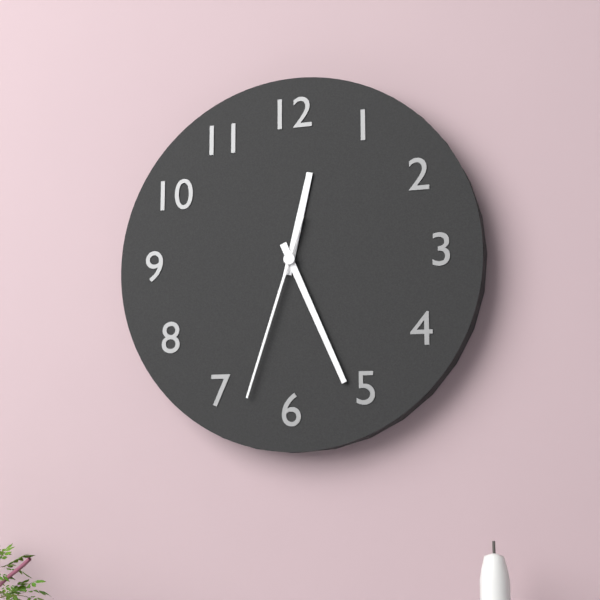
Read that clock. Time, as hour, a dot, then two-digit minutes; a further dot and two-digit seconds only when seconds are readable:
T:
12.26.33
